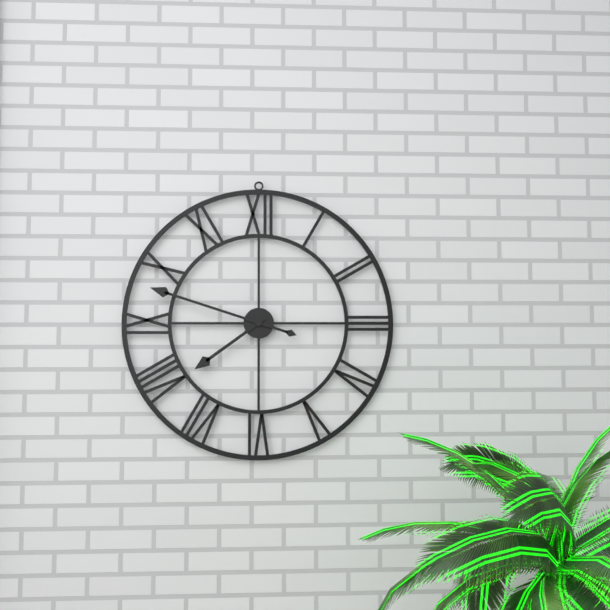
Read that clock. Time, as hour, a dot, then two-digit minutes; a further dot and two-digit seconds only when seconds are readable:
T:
7.48
